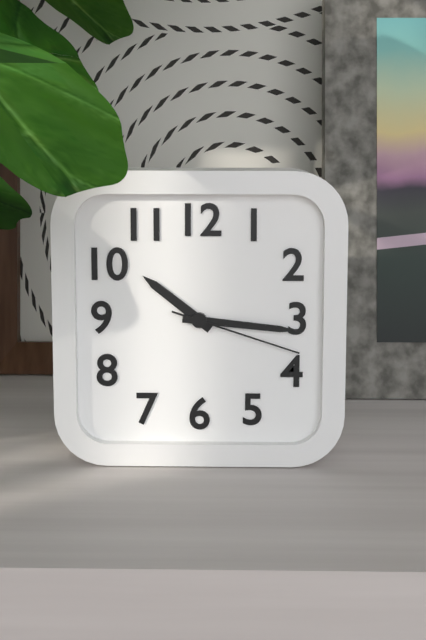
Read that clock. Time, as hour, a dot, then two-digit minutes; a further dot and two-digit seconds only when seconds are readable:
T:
10.16.18
